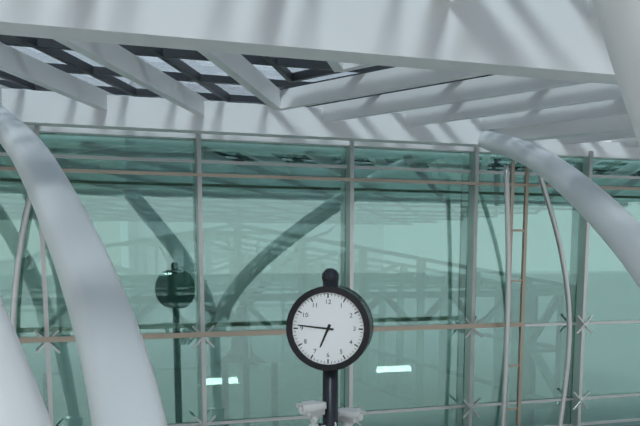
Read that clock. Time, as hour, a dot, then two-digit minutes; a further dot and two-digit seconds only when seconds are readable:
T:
6.46
